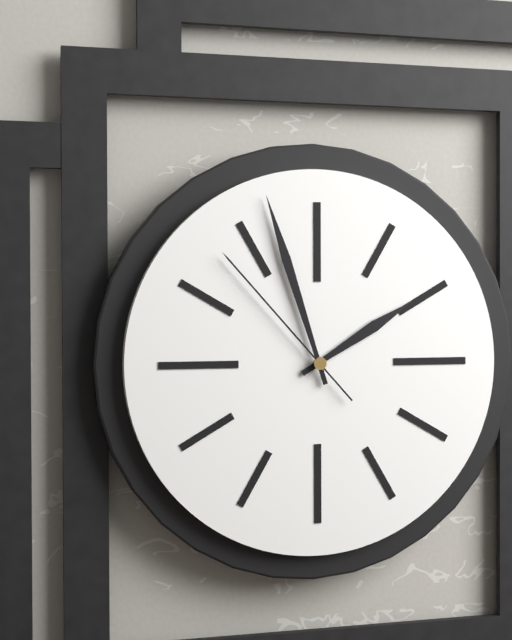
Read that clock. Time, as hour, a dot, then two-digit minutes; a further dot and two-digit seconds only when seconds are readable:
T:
1.57.53
